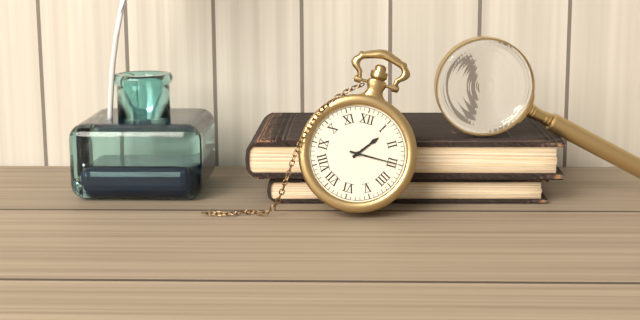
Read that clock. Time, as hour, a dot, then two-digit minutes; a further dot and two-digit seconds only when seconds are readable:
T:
1.15
